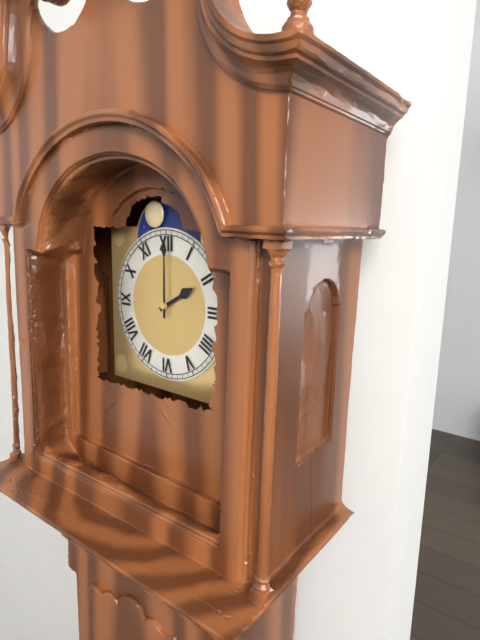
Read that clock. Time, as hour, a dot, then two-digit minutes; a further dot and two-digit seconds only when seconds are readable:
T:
2.00
